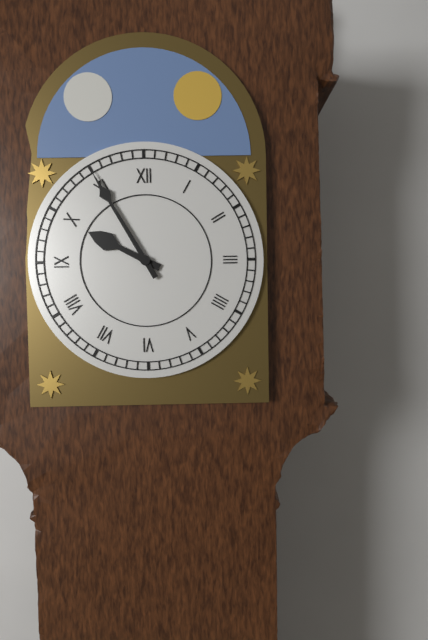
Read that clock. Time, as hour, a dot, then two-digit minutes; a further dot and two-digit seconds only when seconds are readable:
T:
9.55
